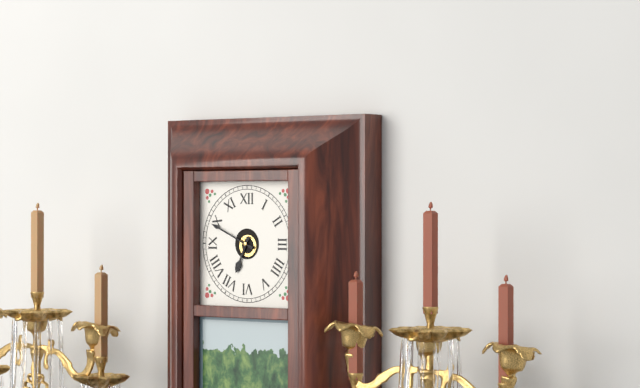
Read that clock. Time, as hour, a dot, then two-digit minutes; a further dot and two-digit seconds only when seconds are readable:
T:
6.49
